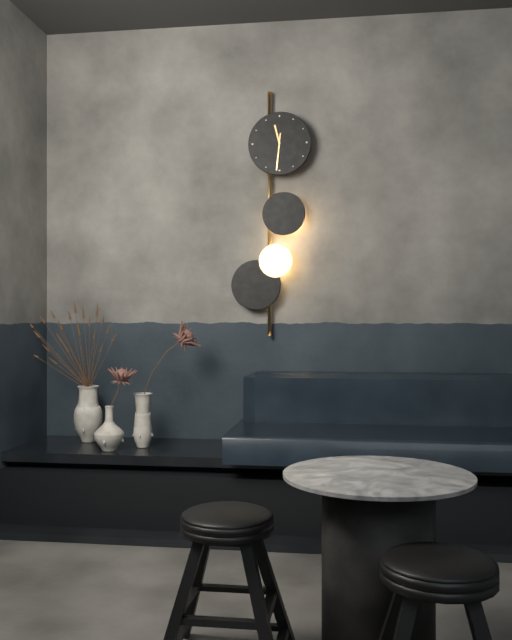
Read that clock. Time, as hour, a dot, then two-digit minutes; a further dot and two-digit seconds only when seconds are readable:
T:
11.31
